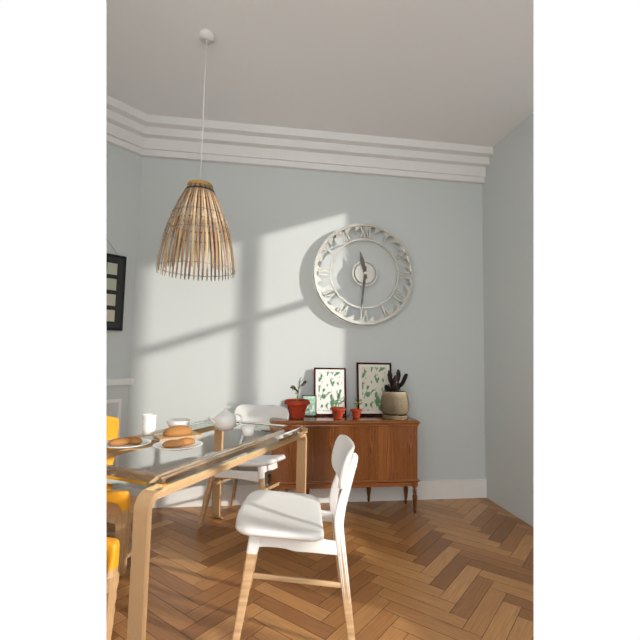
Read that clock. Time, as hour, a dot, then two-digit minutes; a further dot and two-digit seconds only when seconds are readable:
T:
11.31
